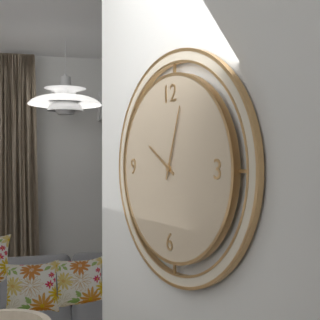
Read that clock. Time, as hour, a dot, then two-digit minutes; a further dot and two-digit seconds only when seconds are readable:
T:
10.03
